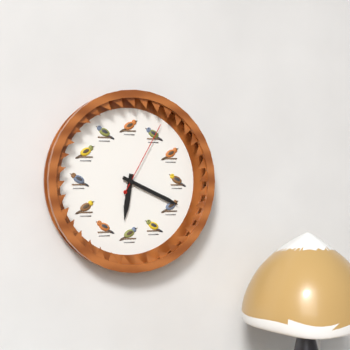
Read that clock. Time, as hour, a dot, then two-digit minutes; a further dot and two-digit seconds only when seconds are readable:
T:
6.19.05
